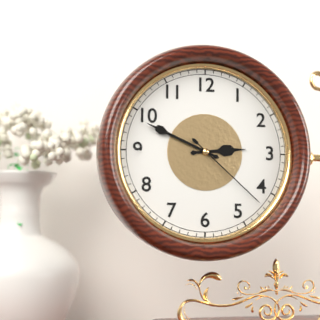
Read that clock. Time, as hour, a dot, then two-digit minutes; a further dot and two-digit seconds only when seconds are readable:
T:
2.49.22
